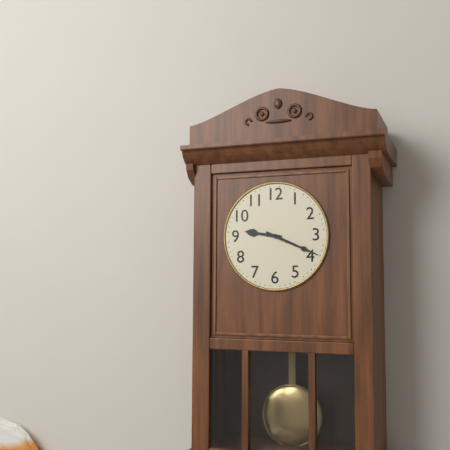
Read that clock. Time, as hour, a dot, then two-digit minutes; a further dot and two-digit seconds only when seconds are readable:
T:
9.19
